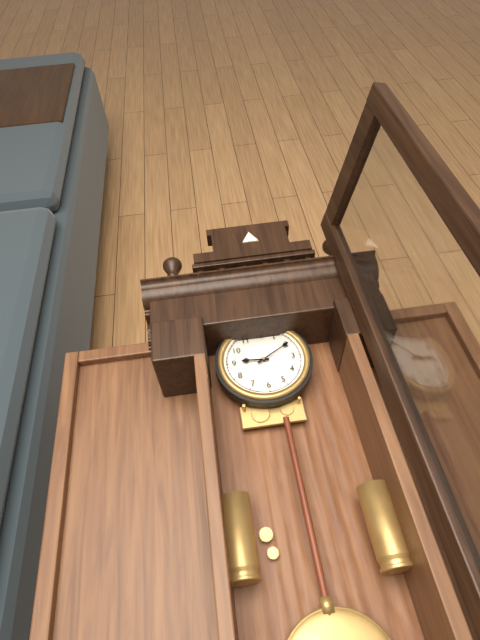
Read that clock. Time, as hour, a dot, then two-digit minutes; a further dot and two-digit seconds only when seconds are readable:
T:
9.10
